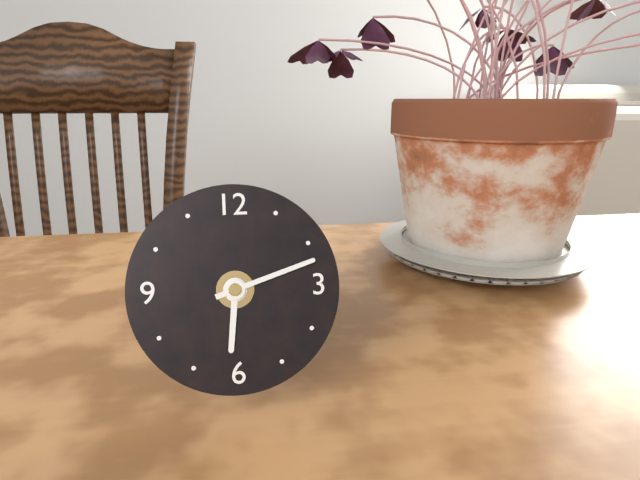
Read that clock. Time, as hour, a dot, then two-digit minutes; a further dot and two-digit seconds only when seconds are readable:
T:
6.12
